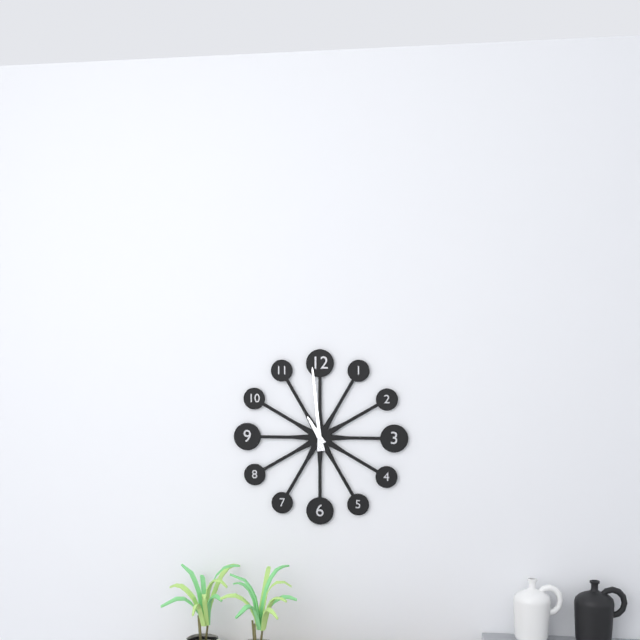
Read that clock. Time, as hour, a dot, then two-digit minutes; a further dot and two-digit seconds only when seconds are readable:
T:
10.59
